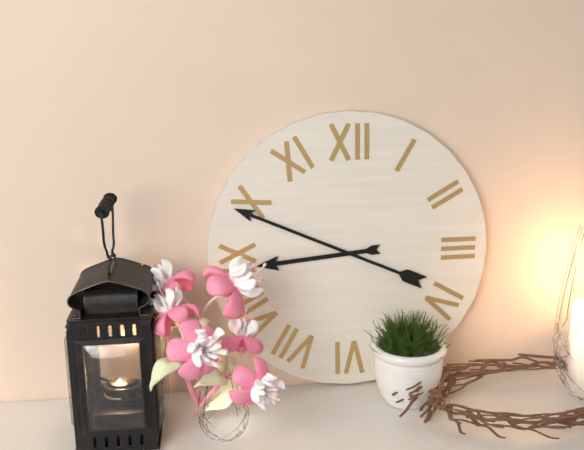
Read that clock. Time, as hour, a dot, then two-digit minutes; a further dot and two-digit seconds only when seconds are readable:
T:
8.49
